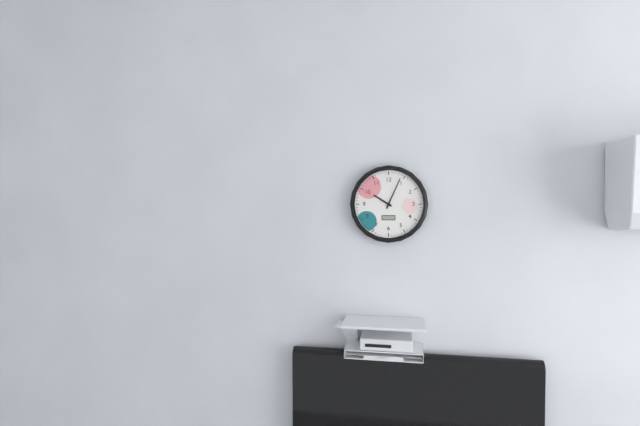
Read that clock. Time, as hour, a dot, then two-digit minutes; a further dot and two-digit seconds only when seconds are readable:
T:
10.04
